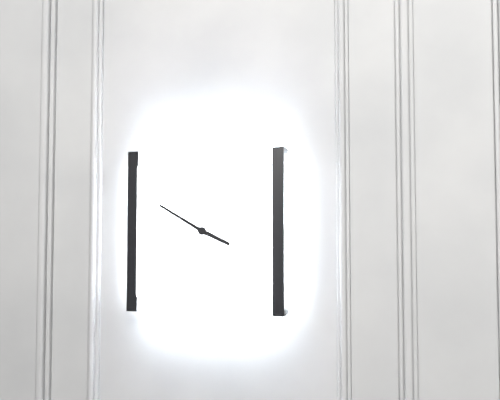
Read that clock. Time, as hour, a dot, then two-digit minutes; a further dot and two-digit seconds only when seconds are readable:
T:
3.50
